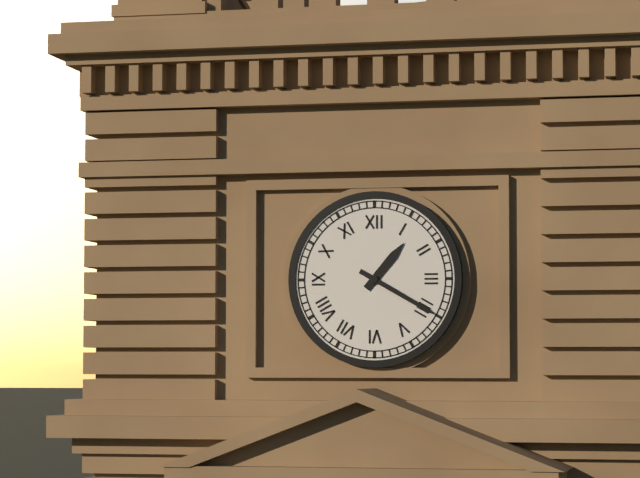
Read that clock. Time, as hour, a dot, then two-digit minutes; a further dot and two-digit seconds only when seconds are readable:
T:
1.20
